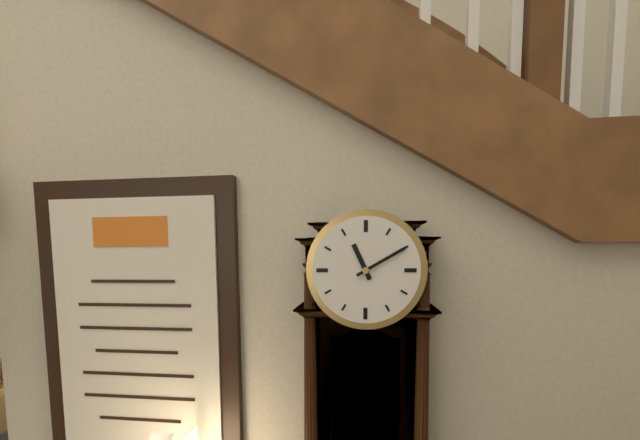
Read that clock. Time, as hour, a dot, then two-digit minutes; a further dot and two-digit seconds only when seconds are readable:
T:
11.10
